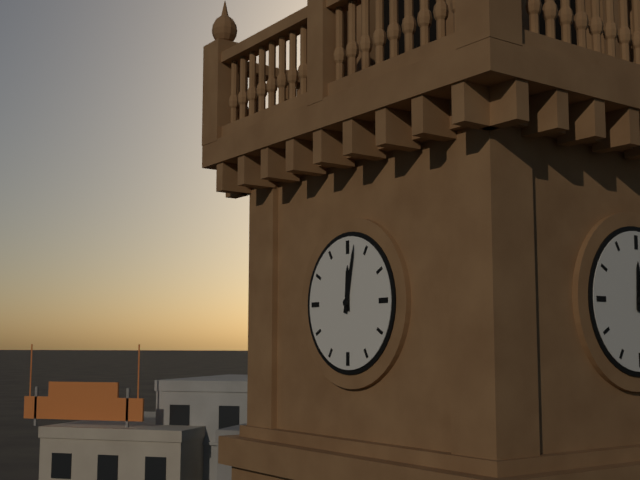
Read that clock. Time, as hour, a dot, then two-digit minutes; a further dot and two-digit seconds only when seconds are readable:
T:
12.02
